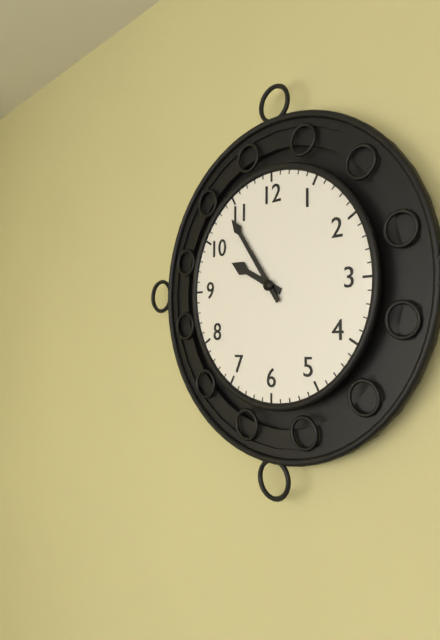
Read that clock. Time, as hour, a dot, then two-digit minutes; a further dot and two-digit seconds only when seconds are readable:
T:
9.54
